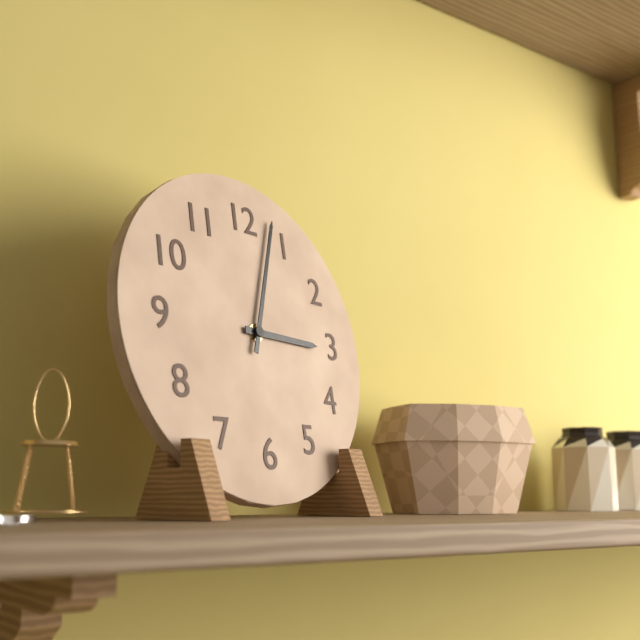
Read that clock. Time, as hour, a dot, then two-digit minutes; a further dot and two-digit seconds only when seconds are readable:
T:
3.03
